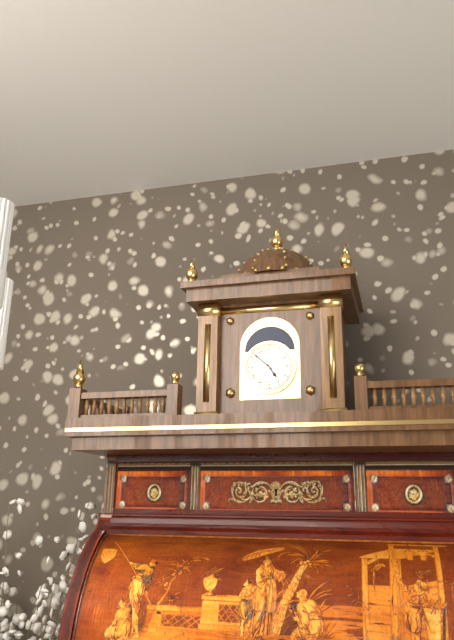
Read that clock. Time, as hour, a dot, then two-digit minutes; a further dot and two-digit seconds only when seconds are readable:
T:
4.52
